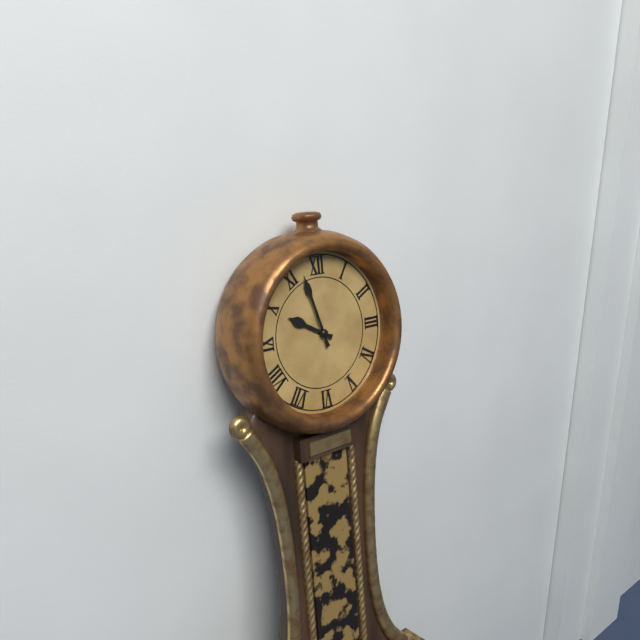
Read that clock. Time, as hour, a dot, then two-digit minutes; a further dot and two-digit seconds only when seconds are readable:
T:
9.57
